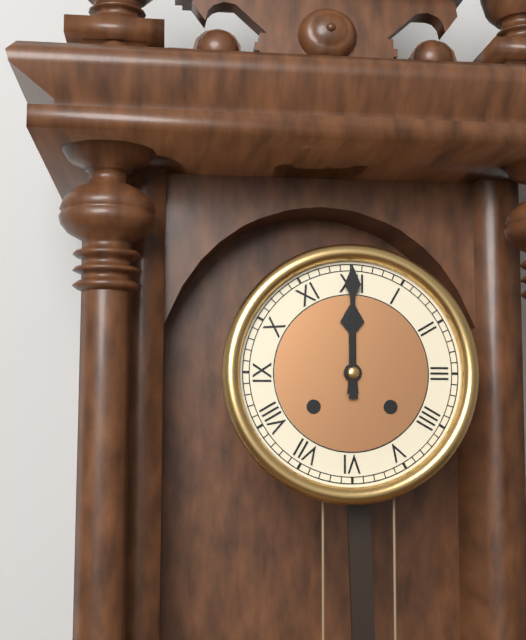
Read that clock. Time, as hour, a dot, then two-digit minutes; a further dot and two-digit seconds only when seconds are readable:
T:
12.00
